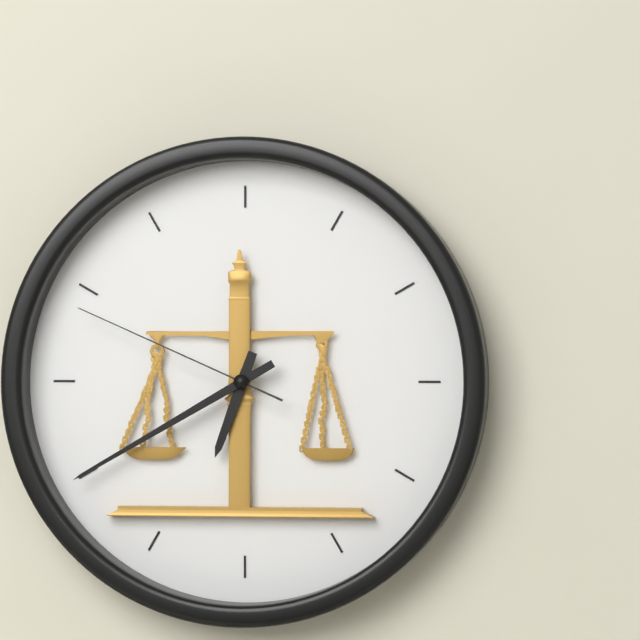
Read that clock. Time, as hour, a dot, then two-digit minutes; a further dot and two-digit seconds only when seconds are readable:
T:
6.40.49
